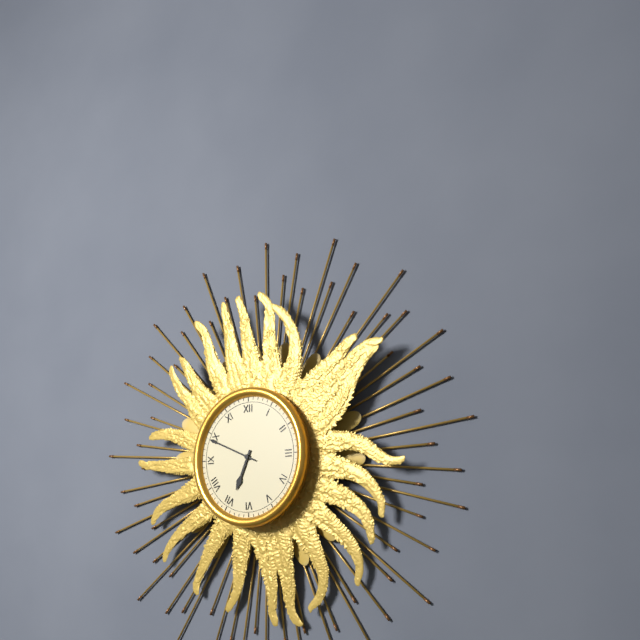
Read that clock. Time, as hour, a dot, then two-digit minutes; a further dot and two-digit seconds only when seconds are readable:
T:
6.49
